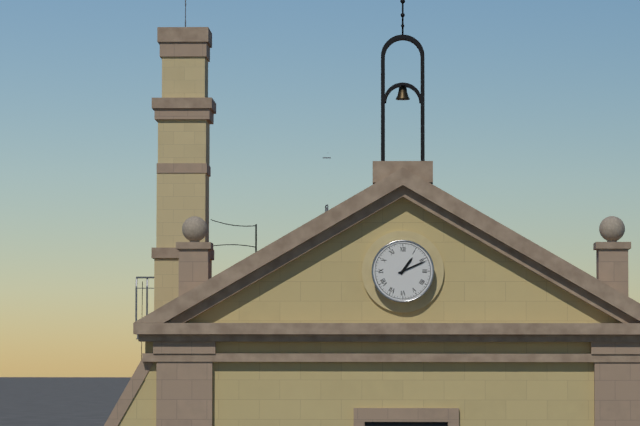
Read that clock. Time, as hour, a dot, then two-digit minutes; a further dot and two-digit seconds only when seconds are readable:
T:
1.11
